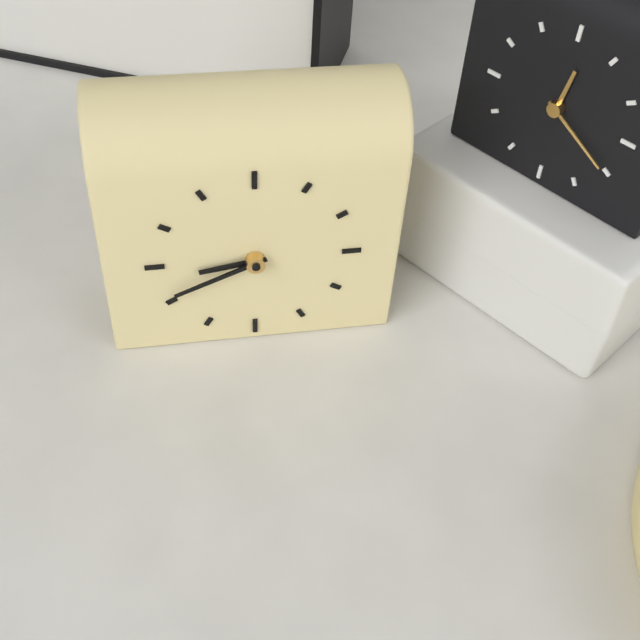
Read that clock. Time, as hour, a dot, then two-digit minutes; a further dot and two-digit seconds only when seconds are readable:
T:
8.41
